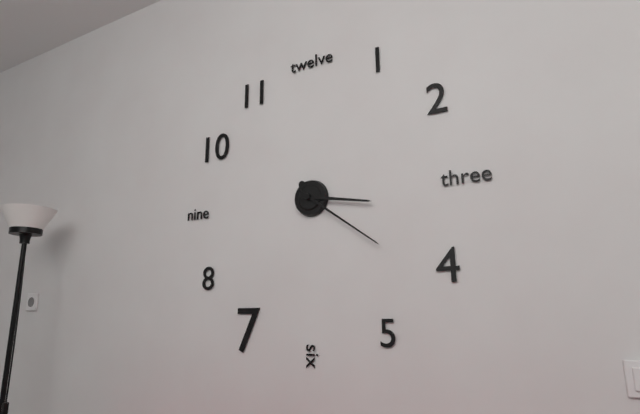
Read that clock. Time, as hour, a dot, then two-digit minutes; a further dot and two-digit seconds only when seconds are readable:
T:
3.21
